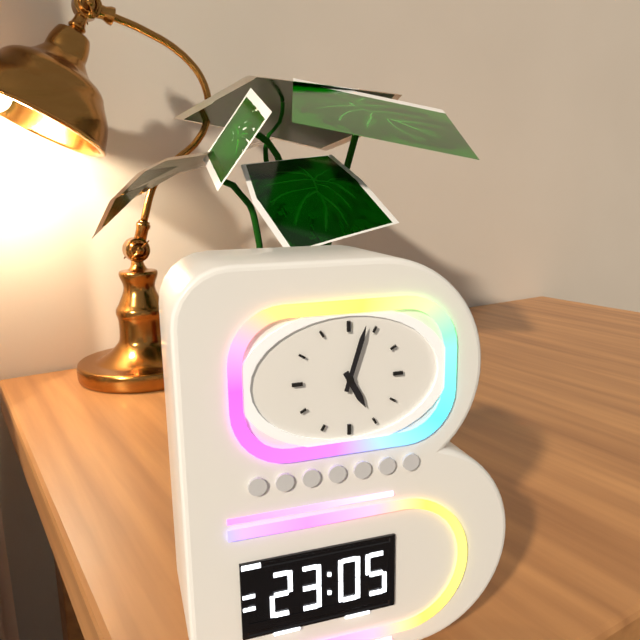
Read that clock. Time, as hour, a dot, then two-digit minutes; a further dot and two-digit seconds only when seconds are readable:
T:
5.03
